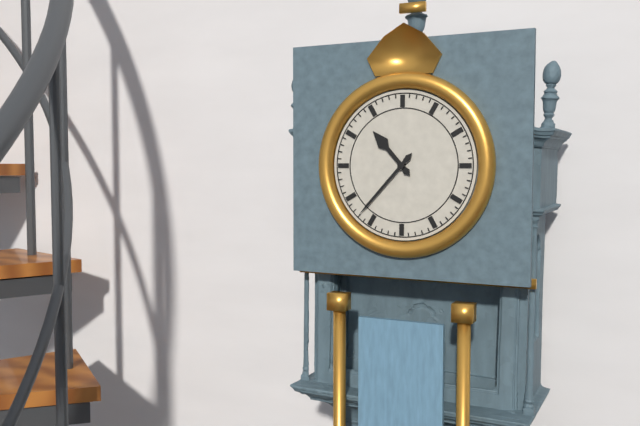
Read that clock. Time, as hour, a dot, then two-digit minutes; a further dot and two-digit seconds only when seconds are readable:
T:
10.37
